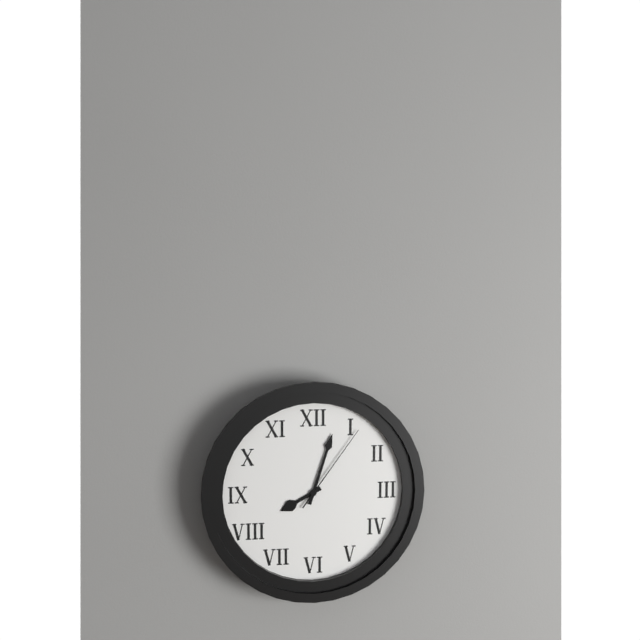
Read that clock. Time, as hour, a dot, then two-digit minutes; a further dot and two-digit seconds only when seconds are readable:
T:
8.03.06
